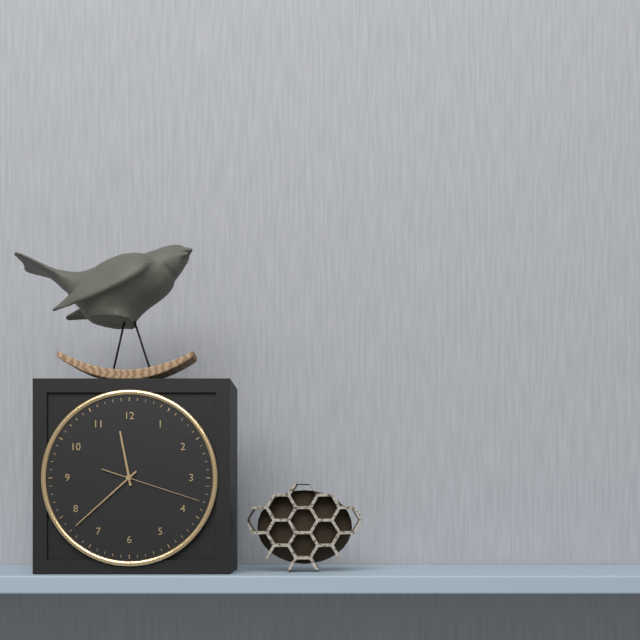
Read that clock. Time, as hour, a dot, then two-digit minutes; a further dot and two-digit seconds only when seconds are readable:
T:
11.38.18
